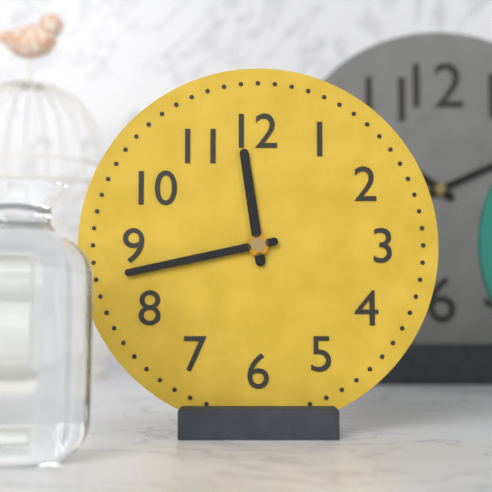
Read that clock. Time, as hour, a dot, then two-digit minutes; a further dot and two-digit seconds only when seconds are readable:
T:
11.43
